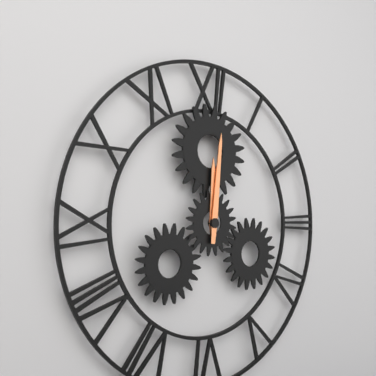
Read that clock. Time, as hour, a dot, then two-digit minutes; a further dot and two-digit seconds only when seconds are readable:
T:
12.01
